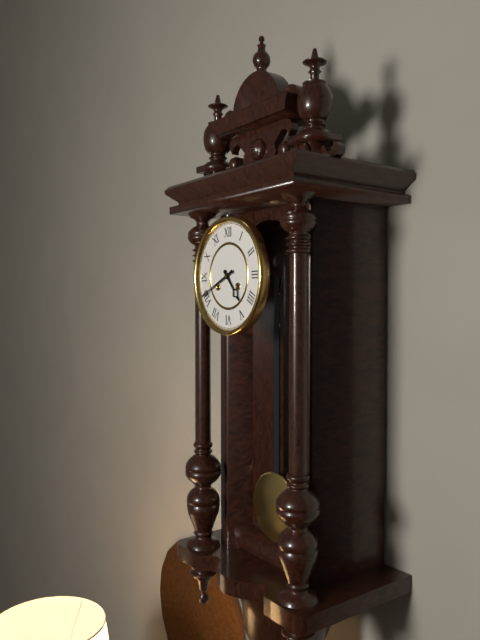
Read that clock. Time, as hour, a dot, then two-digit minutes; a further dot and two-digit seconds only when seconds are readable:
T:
4.41
